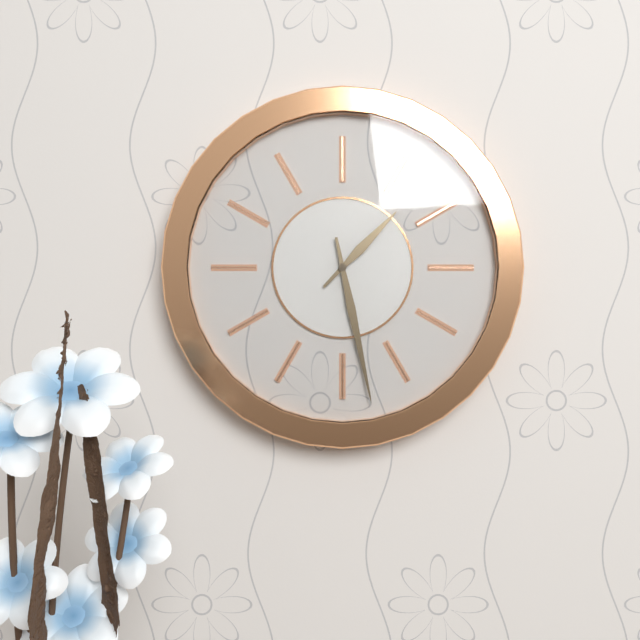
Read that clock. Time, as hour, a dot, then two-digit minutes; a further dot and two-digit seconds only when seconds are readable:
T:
1.28
